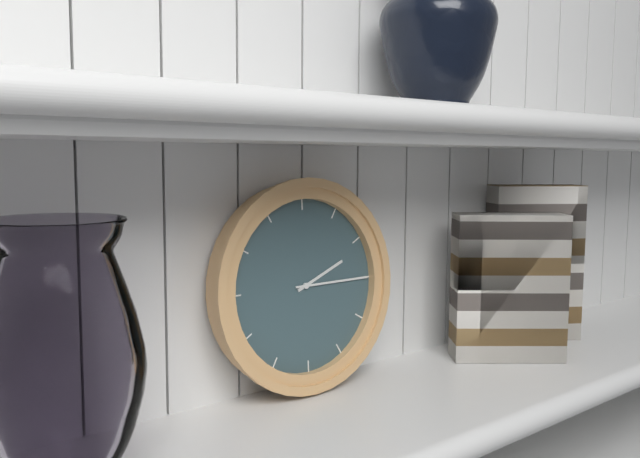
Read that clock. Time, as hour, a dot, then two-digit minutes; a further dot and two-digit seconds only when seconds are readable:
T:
2.15
